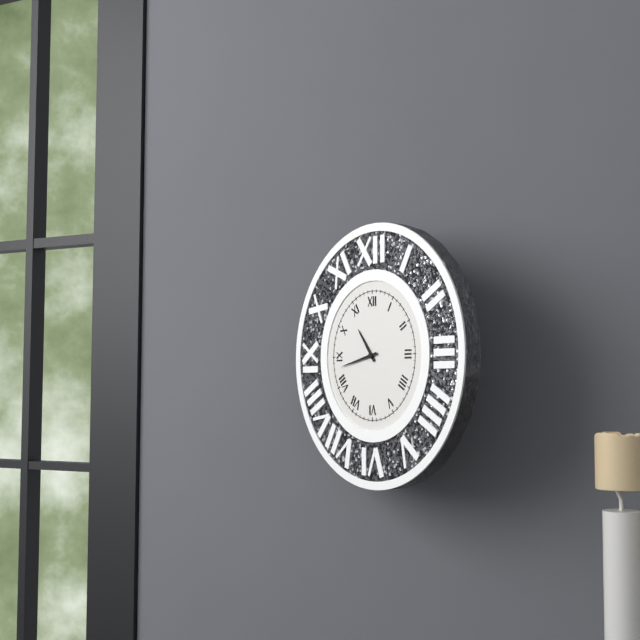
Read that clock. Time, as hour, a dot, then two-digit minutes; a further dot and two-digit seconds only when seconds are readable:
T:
10.43
